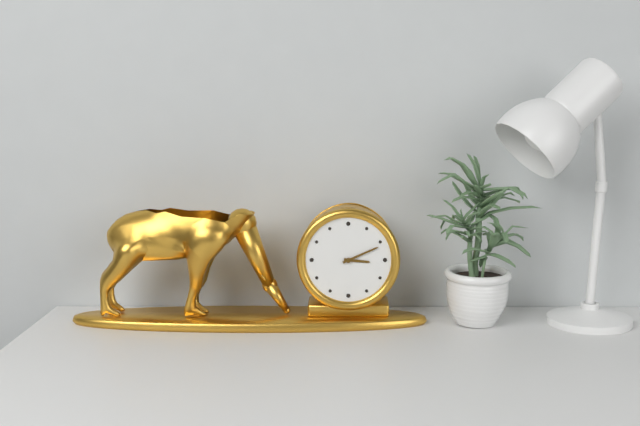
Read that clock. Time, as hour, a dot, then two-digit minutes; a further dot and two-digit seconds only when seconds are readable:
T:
3.11
